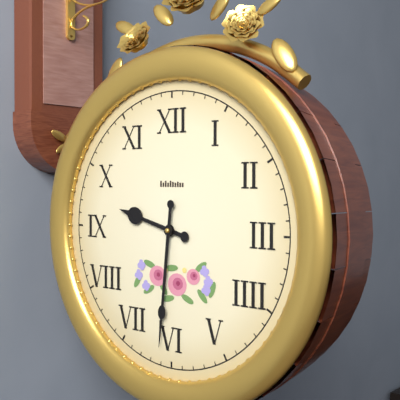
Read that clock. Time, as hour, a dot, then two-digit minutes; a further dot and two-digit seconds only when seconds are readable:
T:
9.31
